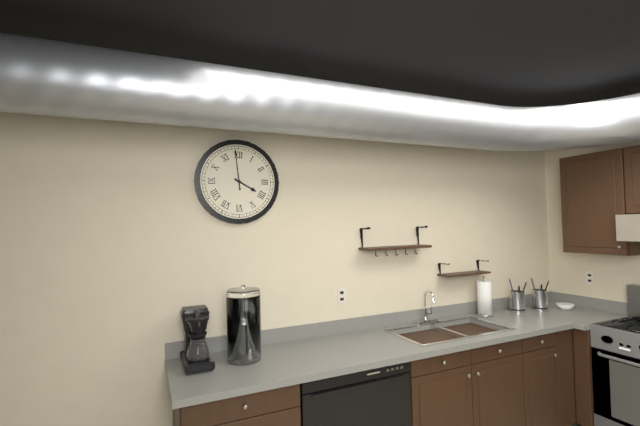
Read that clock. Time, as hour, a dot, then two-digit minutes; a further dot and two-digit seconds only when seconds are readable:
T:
3.59
